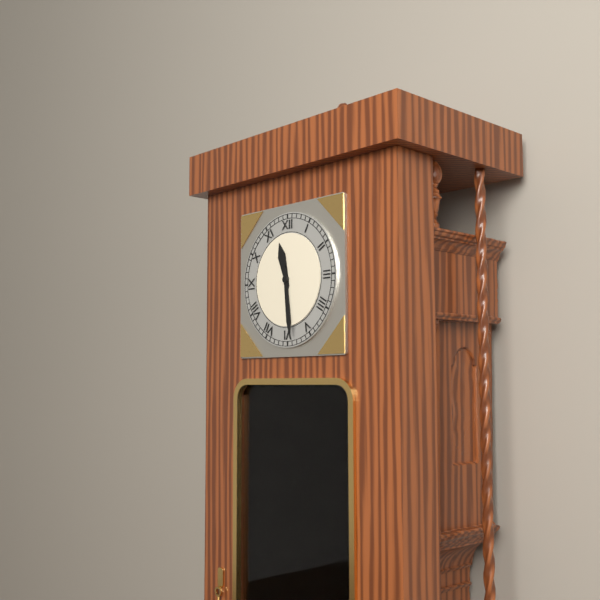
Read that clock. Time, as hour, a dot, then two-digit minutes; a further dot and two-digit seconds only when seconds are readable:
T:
11.29
